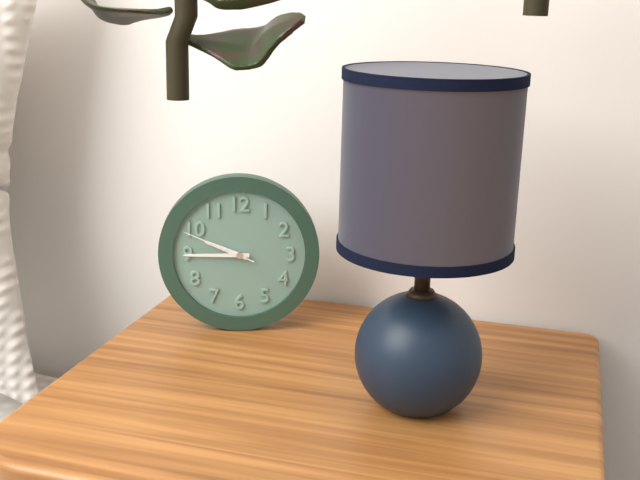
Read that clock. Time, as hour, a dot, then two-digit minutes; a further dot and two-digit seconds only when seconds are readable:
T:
9.45.49
